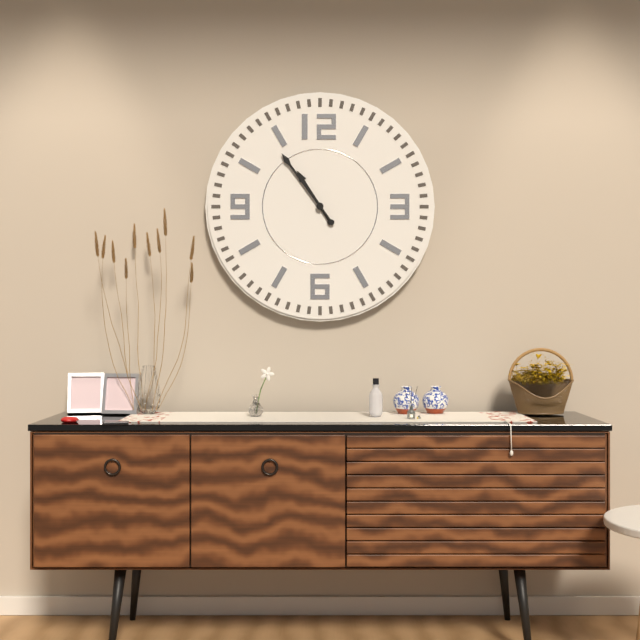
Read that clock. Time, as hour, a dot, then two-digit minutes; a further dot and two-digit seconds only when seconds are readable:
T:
10.54
